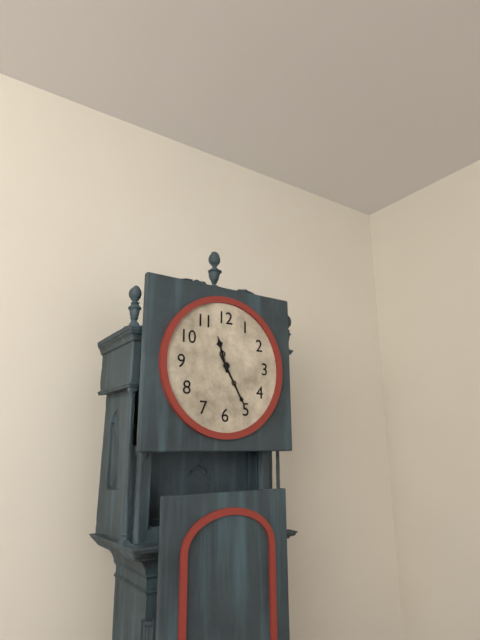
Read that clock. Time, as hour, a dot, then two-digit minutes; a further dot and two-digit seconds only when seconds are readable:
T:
11.25
